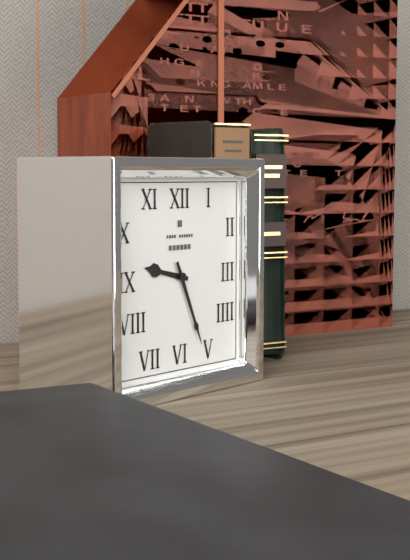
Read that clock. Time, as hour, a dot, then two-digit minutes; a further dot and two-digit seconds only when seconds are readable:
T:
9.26
